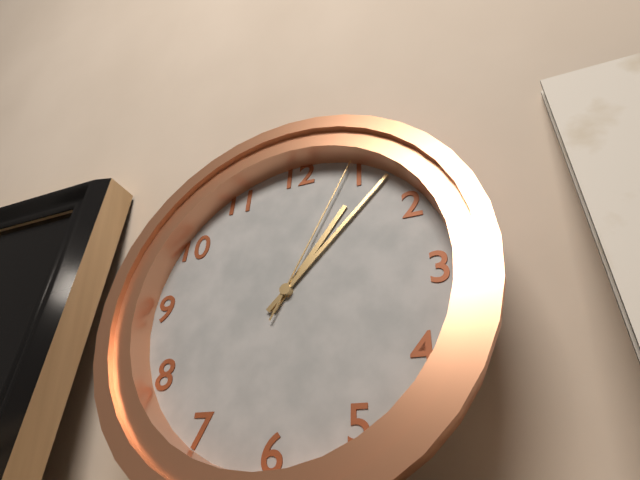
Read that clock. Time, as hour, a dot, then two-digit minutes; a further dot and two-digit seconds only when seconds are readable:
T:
1.07.04
